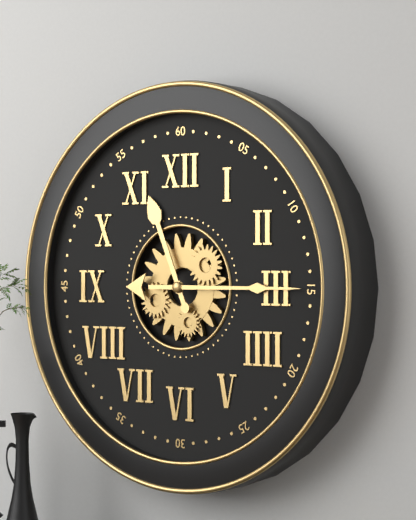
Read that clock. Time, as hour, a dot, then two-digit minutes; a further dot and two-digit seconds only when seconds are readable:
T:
11.15
